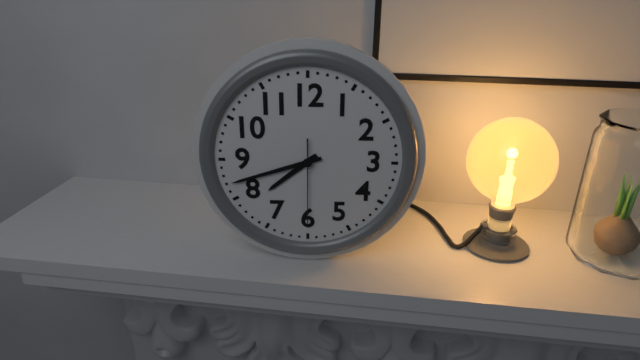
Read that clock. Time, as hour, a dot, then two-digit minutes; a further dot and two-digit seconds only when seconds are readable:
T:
7.42.30
